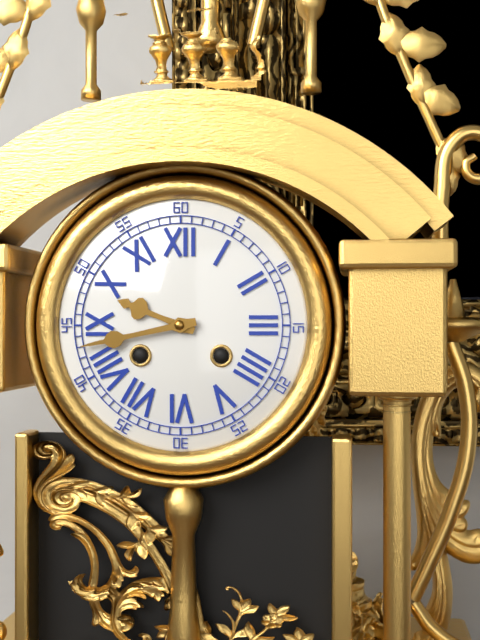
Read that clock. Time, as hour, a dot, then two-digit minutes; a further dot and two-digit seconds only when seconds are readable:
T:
9.43
